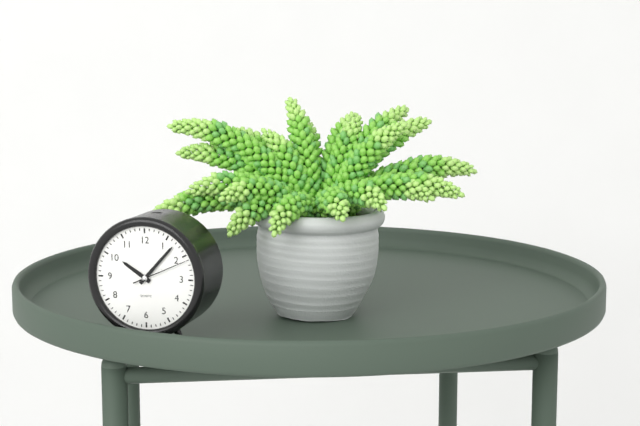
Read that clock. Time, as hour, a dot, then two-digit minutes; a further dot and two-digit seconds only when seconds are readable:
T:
10.07.11
